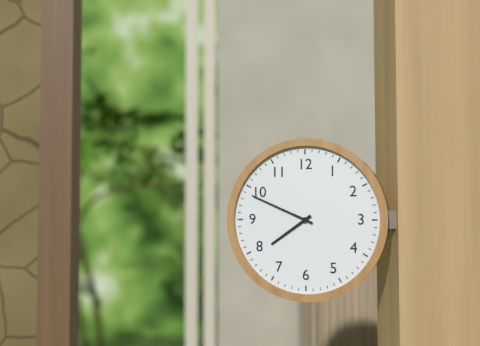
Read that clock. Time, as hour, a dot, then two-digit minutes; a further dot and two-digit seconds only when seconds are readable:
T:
7.49
